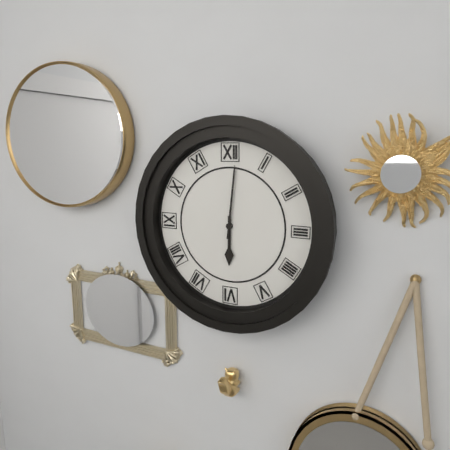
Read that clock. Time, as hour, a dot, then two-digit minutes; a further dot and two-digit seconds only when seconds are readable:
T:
6.01
